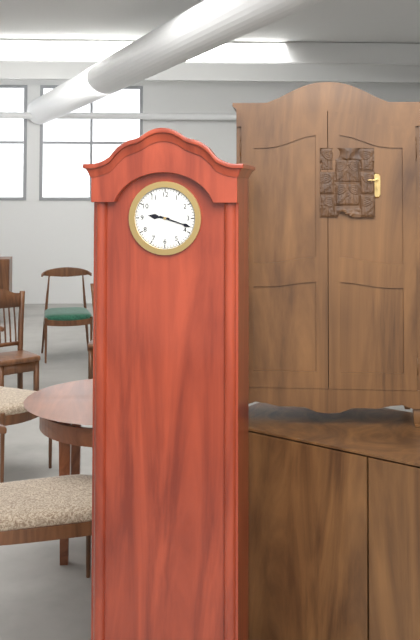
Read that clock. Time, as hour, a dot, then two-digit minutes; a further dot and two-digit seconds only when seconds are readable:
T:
9.18
